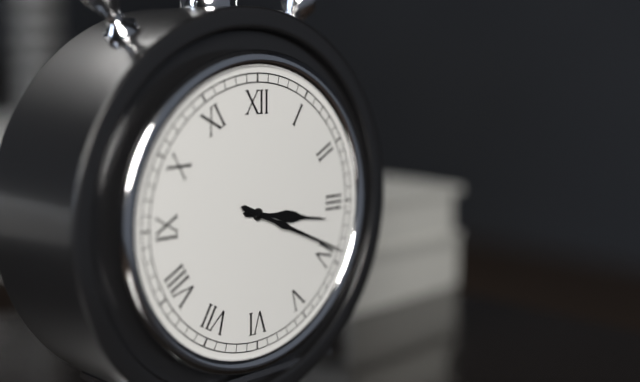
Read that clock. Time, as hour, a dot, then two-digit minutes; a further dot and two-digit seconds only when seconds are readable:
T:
3.19
